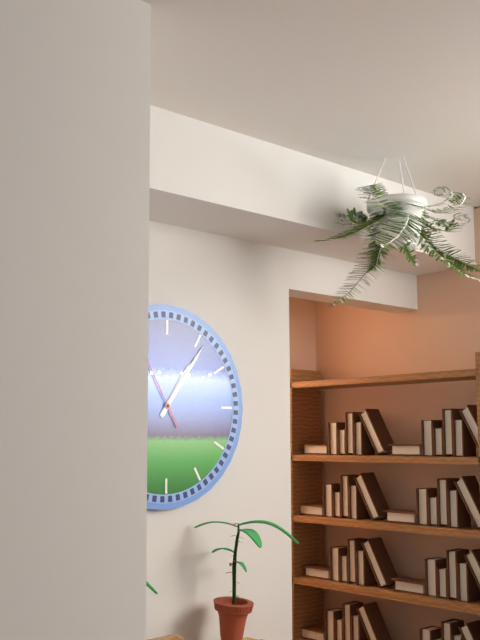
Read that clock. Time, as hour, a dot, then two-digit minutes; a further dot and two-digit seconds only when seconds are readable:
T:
1.06
